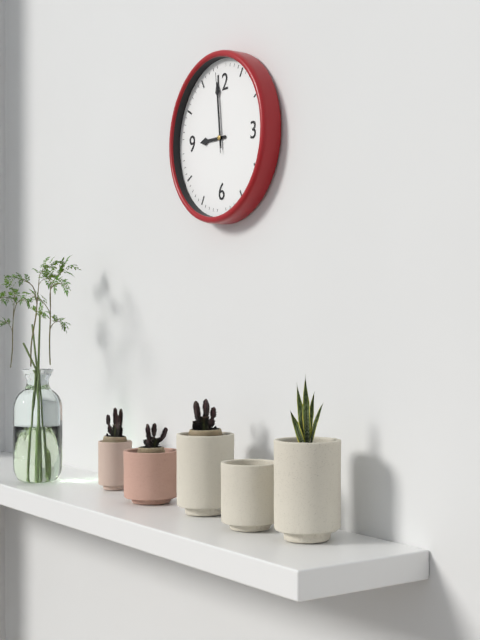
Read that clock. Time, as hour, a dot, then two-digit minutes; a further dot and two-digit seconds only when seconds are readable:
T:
8.59.59
